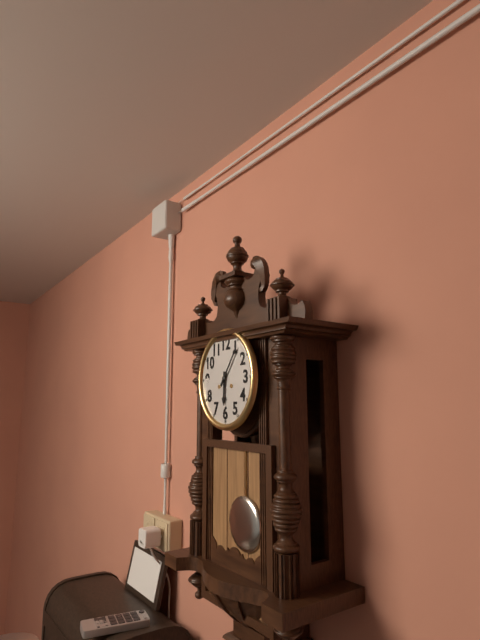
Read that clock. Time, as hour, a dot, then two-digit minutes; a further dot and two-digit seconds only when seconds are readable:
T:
6.06
